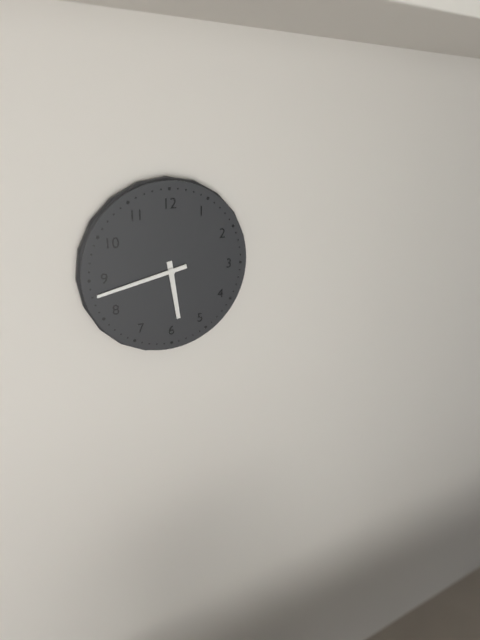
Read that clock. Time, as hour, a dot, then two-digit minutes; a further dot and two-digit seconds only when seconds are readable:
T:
5.43
